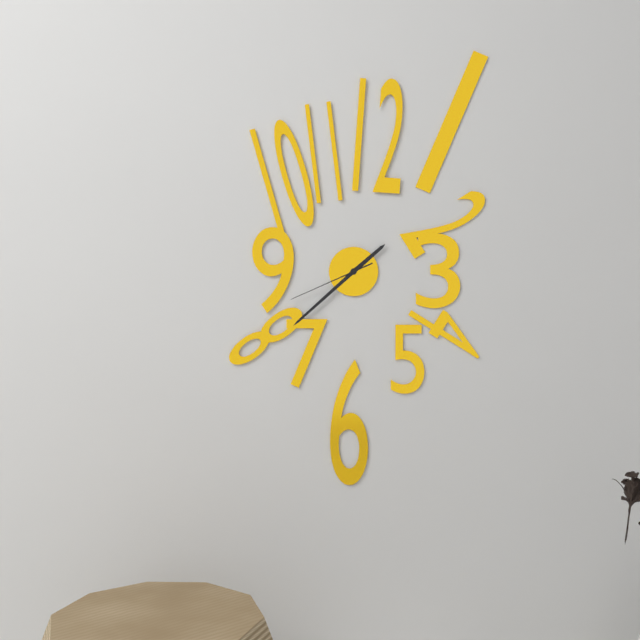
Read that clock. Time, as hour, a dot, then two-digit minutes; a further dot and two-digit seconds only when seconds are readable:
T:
1.38.41
